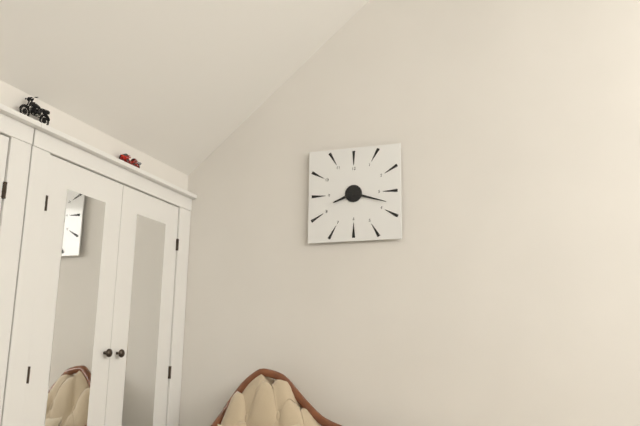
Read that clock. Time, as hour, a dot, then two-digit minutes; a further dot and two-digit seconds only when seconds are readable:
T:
8.18
